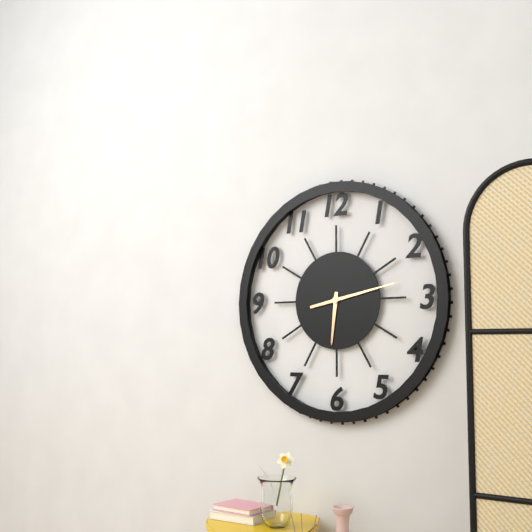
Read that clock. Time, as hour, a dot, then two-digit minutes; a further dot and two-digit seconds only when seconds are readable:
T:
6.13
